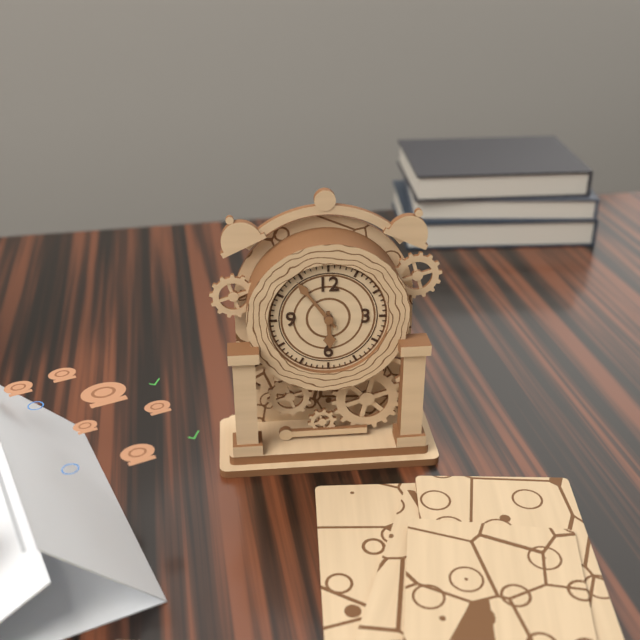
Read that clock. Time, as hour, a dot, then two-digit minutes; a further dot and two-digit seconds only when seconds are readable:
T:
5.54
